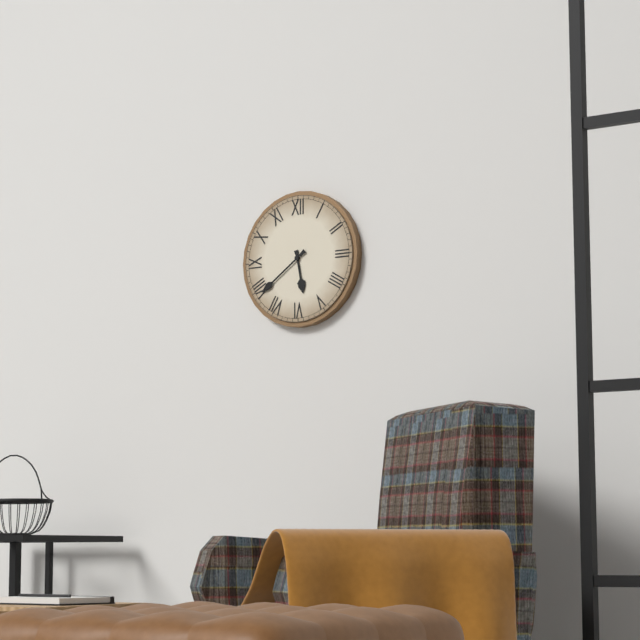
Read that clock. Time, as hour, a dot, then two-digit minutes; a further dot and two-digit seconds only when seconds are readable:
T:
5.39
